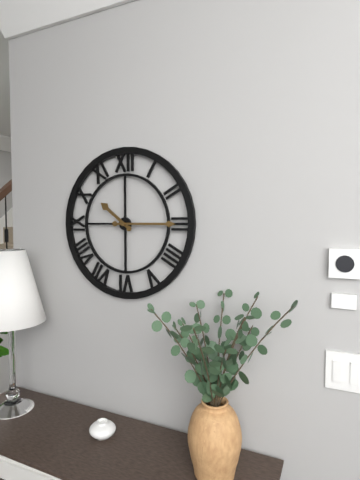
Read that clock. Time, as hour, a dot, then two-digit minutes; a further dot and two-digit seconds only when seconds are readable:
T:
10.15
